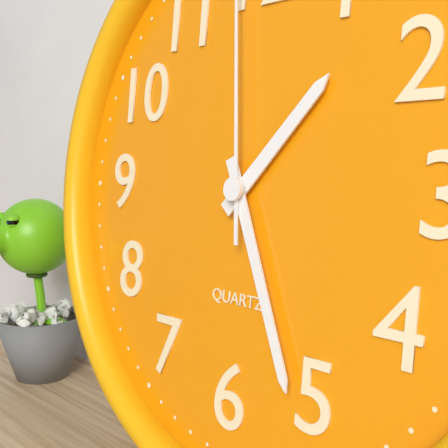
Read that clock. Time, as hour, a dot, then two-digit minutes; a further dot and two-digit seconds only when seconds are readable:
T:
1.26
